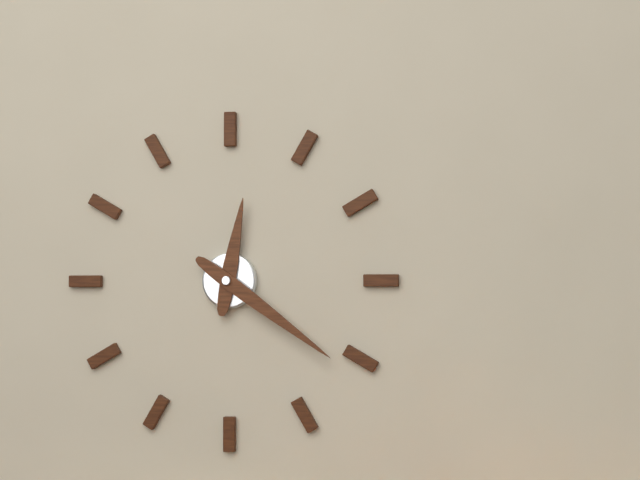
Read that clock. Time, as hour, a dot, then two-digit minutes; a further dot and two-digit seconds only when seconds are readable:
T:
12.21
